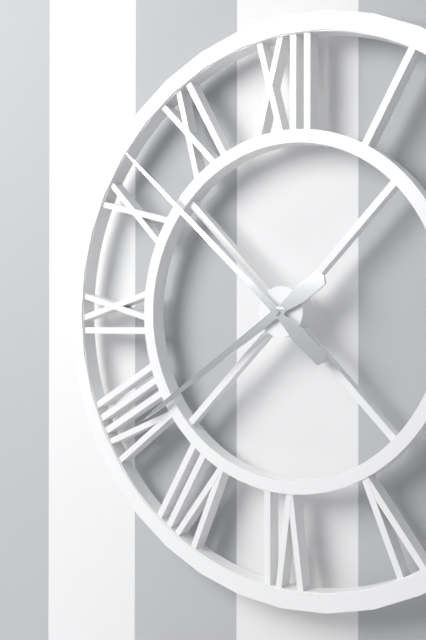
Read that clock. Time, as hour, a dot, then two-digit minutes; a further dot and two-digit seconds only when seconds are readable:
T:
7.52
